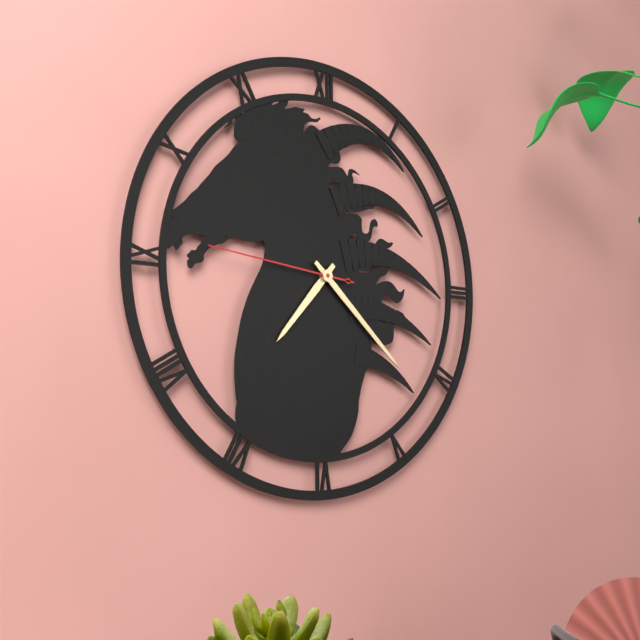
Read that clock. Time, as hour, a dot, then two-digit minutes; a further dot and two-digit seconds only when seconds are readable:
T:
7.22.46
